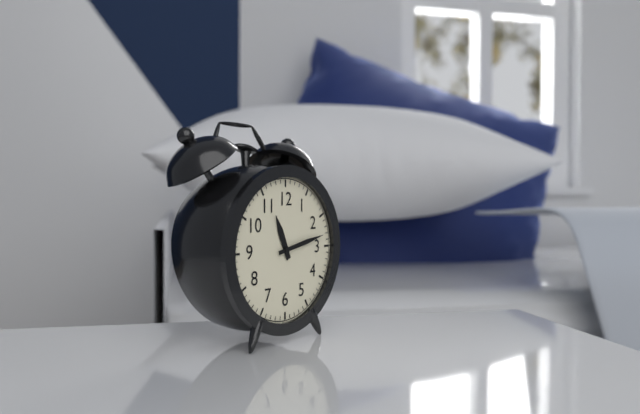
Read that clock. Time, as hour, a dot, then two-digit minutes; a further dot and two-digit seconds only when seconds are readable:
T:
11.13
